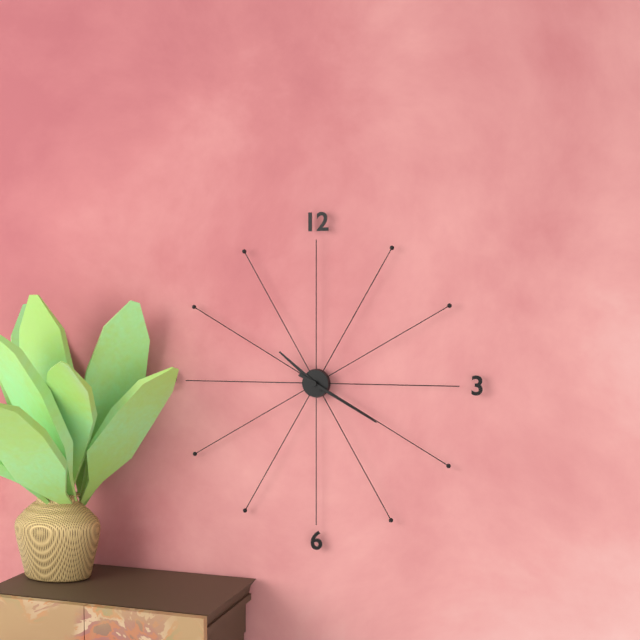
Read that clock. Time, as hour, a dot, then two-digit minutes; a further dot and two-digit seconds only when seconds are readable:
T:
10.20
